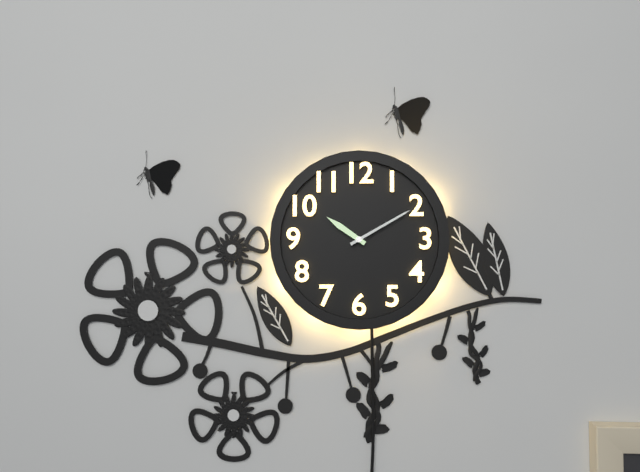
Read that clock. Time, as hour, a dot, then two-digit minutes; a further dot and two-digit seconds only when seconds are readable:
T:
10.10
